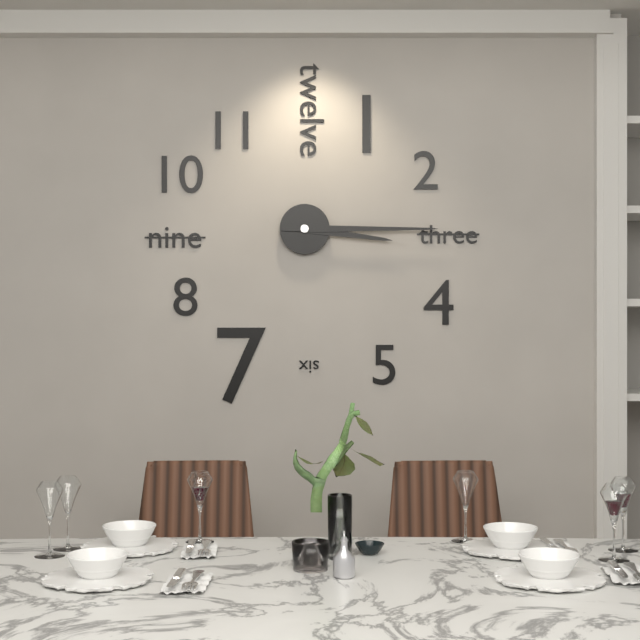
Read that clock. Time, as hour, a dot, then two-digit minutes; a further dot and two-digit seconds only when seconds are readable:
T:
3.15
